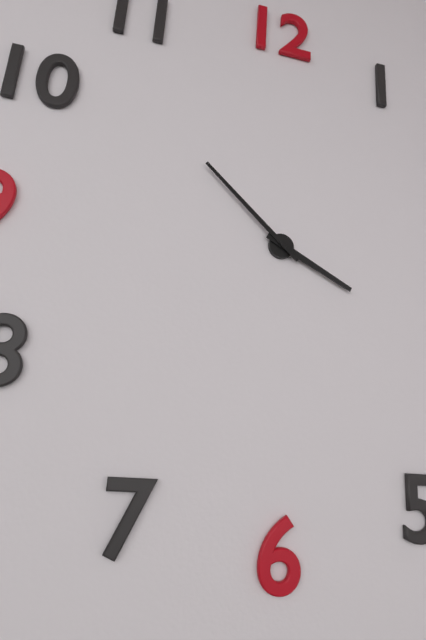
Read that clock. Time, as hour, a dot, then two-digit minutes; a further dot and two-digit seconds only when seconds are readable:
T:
3.52
